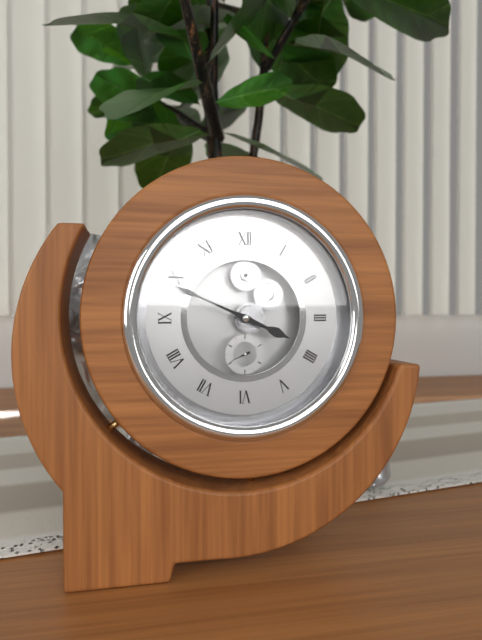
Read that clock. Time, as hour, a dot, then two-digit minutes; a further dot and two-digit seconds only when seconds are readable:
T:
3.49
